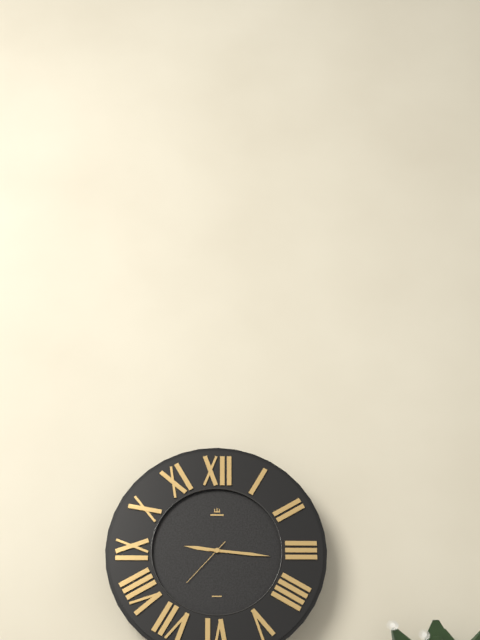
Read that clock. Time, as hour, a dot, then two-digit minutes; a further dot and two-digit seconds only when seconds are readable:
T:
9.16
